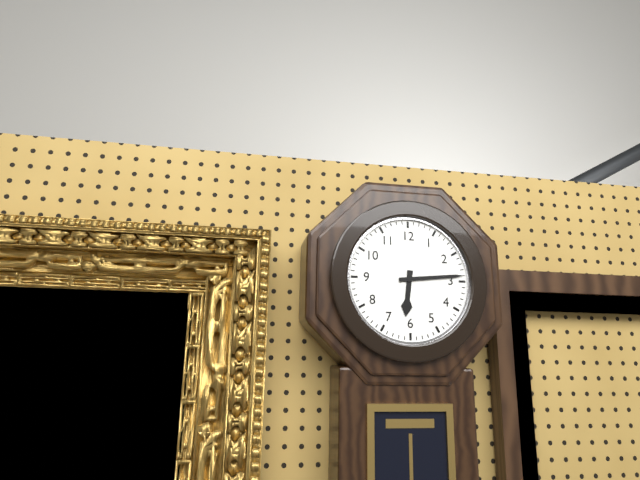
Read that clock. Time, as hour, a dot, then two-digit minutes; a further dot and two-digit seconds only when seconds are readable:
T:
6.14
